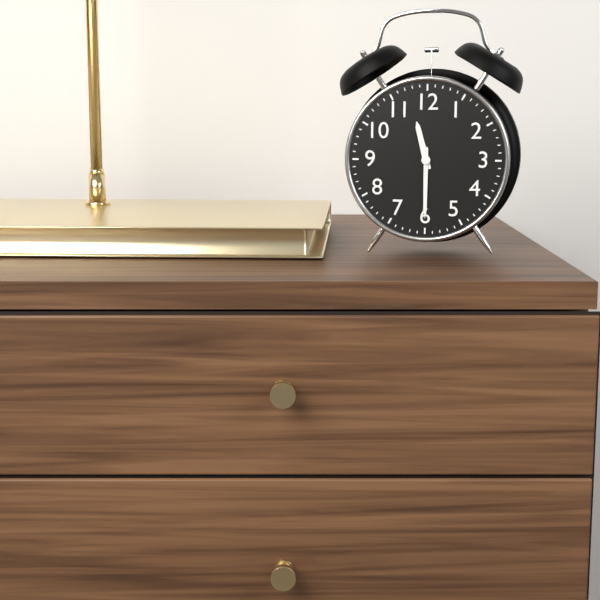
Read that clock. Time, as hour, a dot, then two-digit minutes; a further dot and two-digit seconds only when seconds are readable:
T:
11.30
